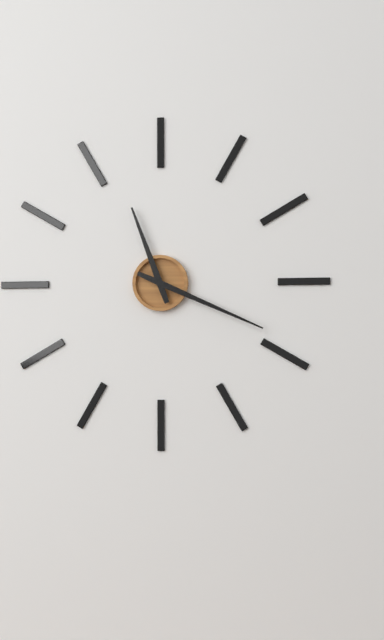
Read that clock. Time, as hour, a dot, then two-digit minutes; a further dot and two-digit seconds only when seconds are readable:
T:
11.19
